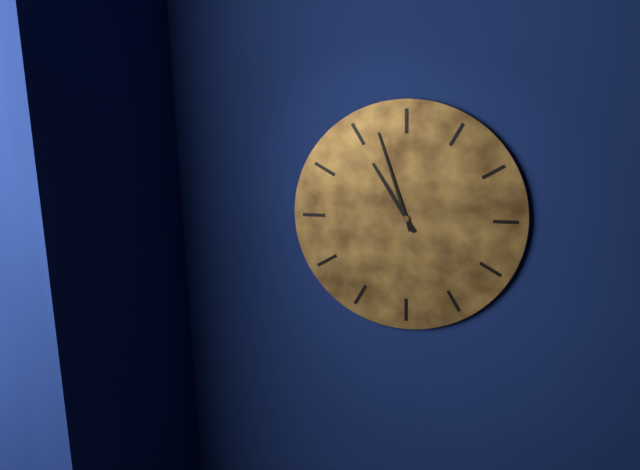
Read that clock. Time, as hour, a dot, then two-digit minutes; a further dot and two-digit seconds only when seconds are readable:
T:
10.57
